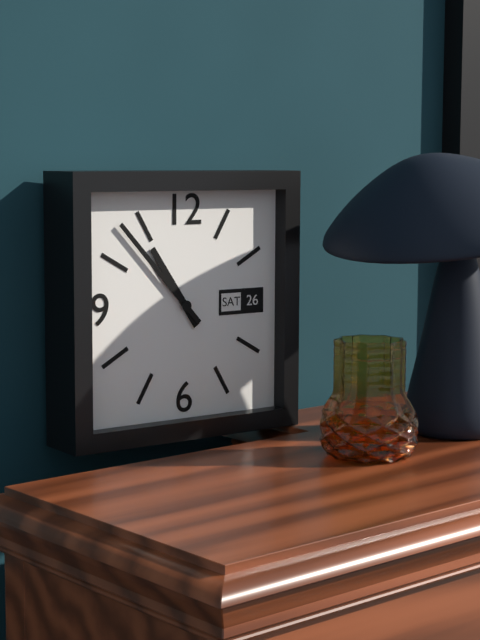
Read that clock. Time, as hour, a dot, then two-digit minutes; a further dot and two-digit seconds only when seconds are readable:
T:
10.53
